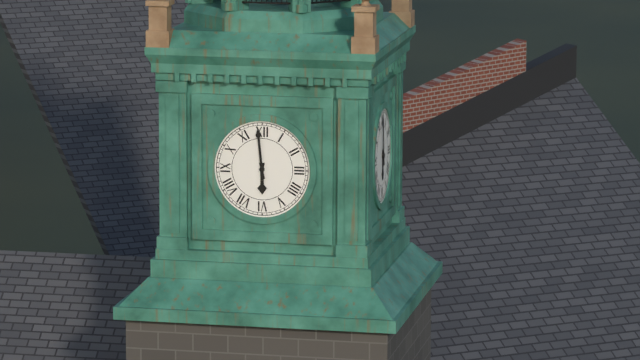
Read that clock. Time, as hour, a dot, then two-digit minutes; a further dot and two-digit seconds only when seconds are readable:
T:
5.59
